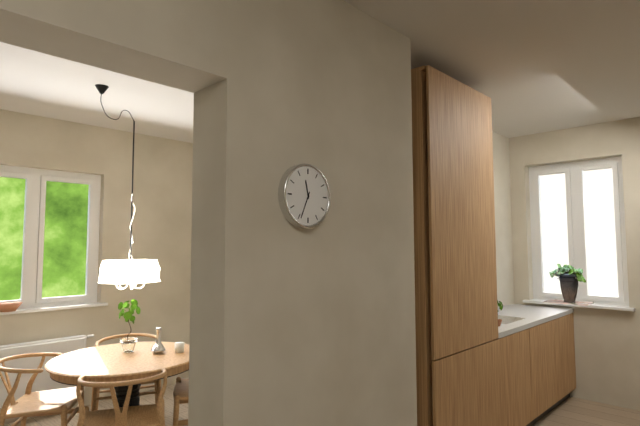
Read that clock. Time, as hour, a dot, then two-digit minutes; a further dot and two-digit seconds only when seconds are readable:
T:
11.34
